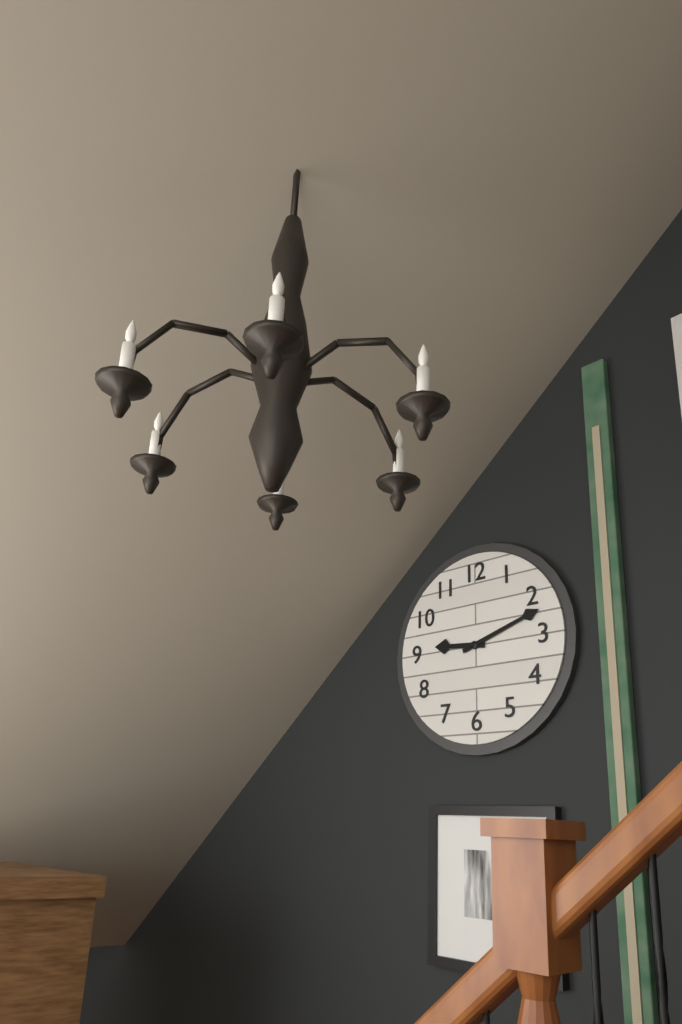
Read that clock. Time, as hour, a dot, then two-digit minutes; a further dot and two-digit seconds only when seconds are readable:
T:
9.12
